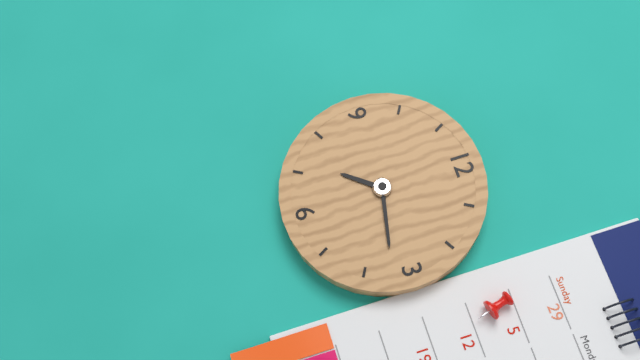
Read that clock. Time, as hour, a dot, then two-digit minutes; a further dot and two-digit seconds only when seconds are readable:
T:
7.17
